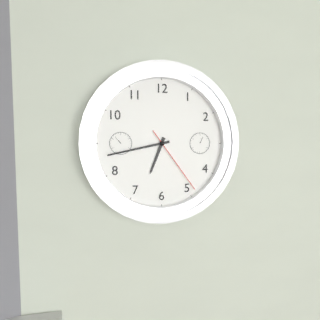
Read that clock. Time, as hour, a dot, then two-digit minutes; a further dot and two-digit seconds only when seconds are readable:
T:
6.43.24
